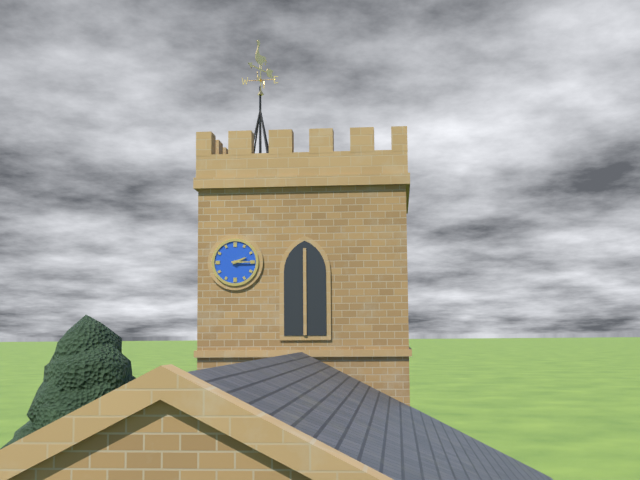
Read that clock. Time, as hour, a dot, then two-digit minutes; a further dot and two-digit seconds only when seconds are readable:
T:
2.15
